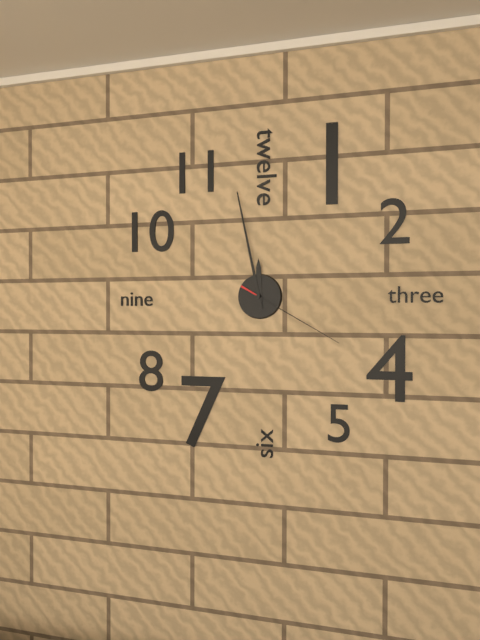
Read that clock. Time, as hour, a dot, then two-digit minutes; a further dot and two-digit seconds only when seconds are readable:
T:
11.58.20
